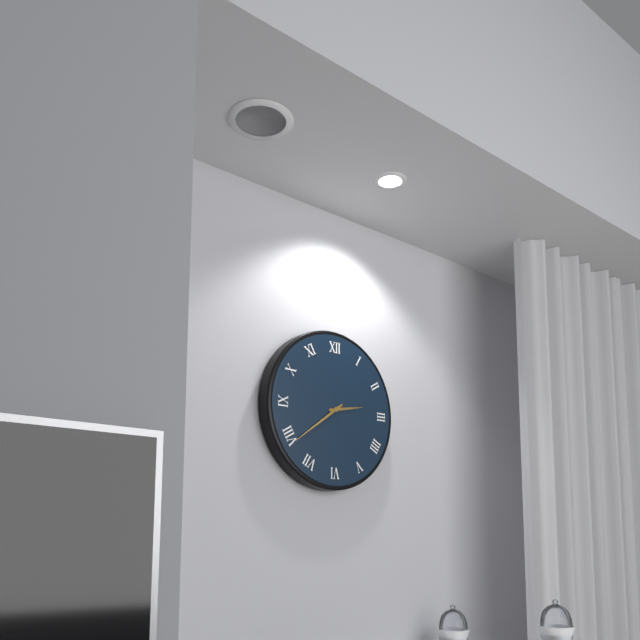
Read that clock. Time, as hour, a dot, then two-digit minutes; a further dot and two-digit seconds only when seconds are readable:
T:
2.39
